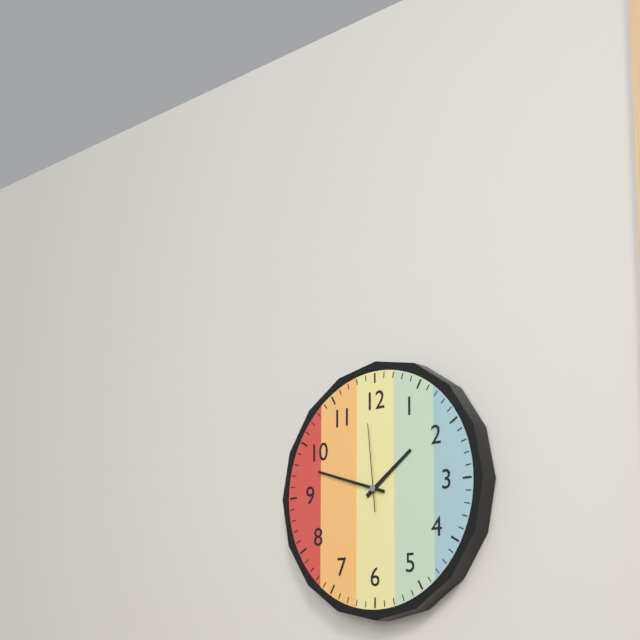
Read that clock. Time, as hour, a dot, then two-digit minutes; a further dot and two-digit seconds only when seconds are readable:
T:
1.48.59
